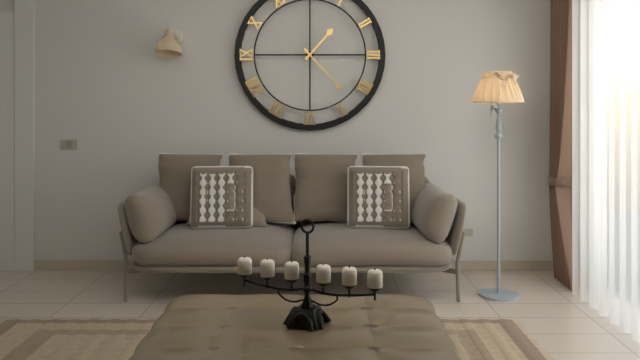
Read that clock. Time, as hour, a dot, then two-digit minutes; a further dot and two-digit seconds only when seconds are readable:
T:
1.23
